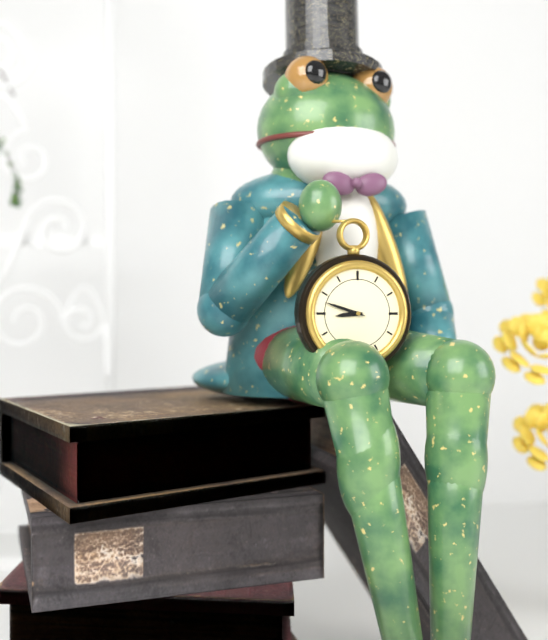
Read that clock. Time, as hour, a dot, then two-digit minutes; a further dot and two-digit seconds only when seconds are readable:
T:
8.48
